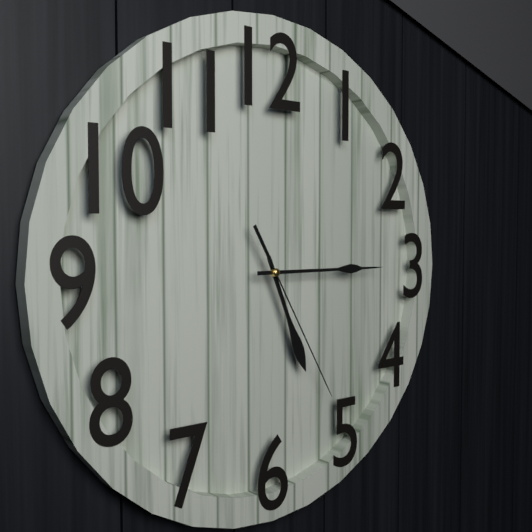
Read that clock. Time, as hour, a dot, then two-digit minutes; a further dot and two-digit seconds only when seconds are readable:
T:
5.15.25
